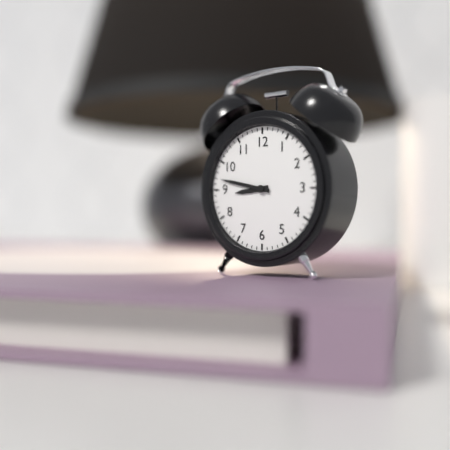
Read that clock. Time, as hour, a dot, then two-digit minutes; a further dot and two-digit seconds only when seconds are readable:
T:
8.47
